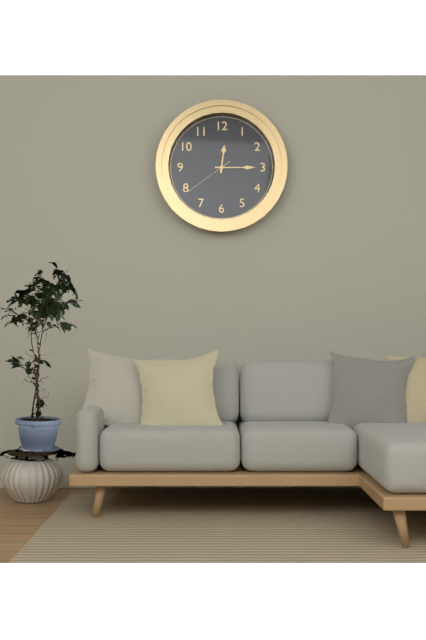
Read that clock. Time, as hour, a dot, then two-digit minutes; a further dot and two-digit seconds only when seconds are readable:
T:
12.15.39
